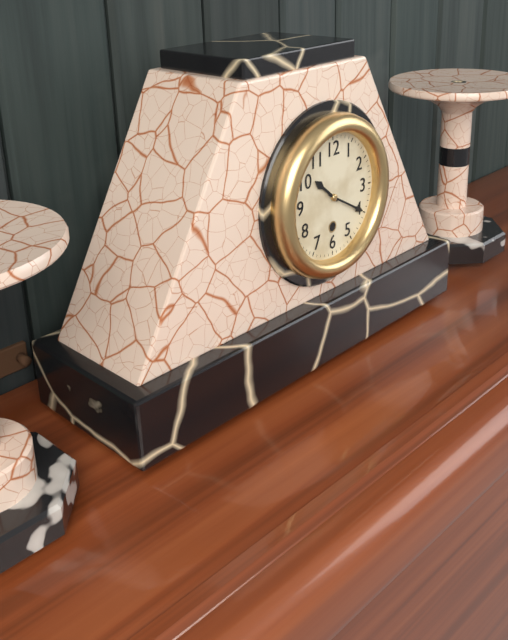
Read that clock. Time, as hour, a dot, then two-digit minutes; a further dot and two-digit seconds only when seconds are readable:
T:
10.20
